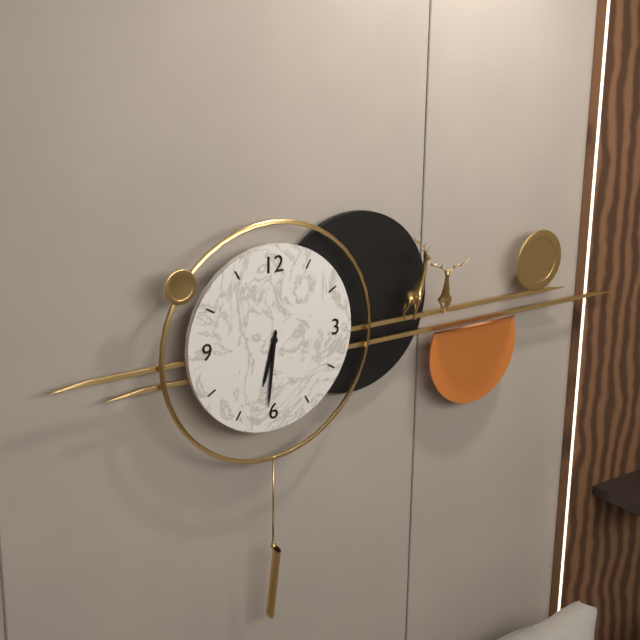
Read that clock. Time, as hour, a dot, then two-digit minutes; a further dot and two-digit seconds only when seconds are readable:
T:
6.31
